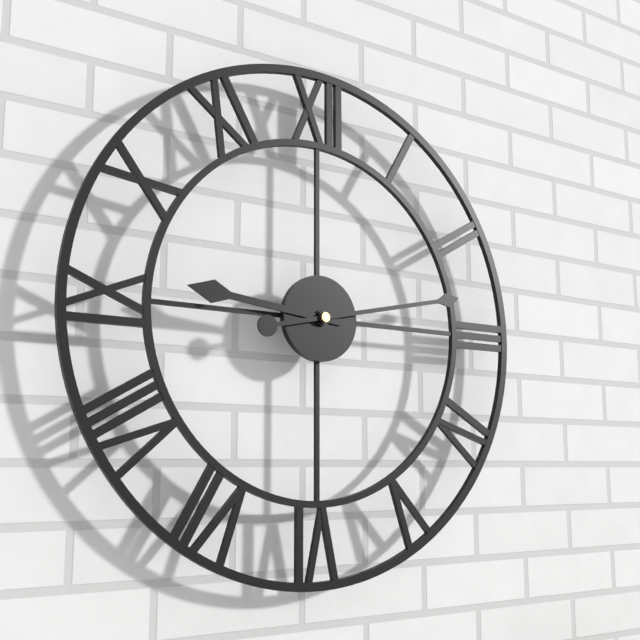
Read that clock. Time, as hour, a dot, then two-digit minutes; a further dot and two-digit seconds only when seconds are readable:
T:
9.13
